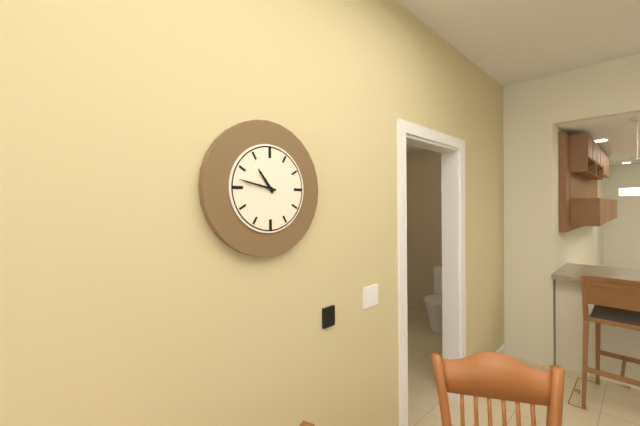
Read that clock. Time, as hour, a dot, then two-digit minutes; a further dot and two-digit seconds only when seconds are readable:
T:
10.47
